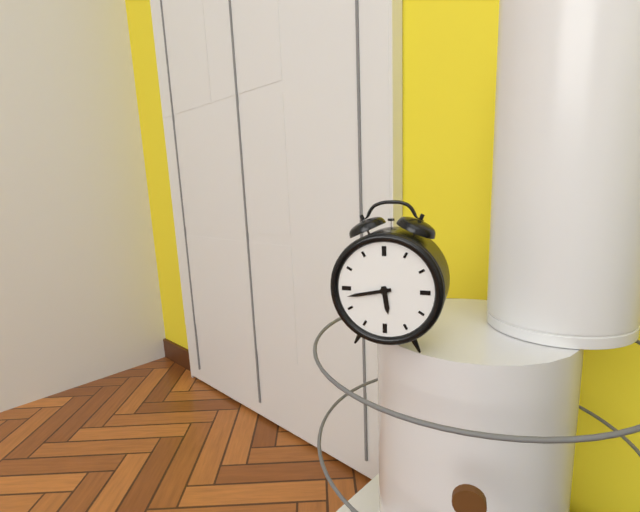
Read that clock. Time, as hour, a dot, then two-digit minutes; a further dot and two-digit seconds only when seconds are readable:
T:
5.43
